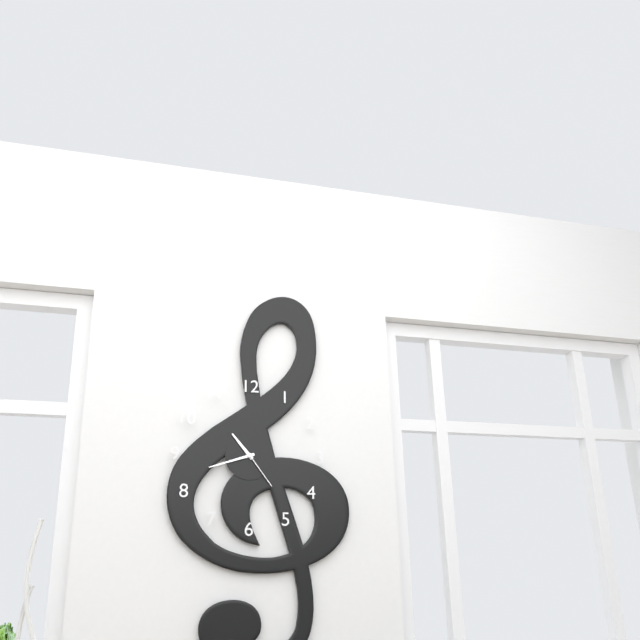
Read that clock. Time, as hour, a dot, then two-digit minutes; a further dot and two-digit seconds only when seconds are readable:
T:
10.42
